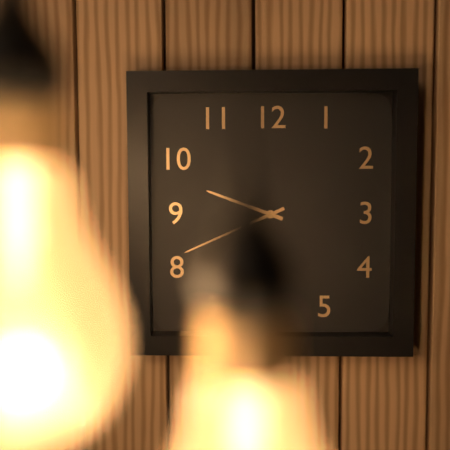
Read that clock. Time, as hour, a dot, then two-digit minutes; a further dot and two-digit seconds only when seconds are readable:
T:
9.41
